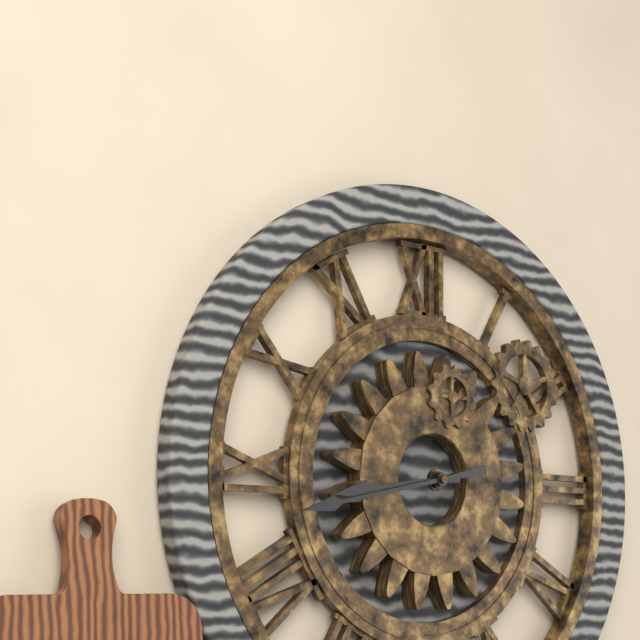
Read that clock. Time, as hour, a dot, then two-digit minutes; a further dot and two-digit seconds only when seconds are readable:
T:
8.43
